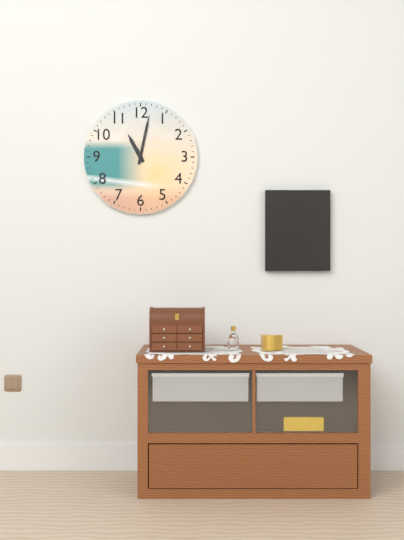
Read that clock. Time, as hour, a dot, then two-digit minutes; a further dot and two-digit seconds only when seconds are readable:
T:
11.02
